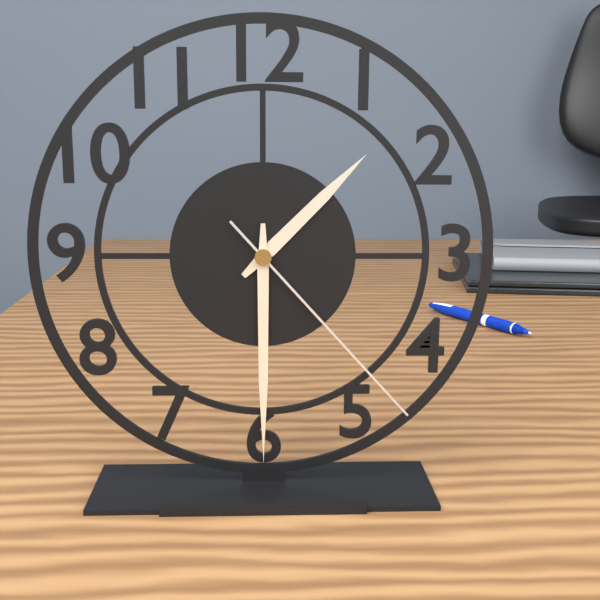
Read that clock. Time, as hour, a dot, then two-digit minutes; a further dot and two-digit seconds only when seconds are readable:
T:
1.30.23
